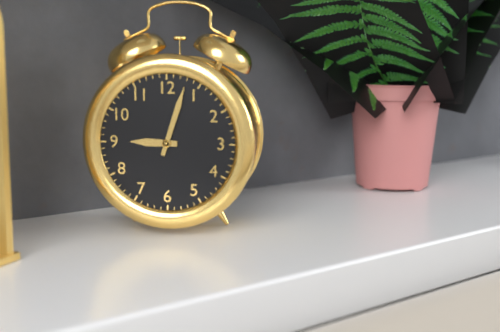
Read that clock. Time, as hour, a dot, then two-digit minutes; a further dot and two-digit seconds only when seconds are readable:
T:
9.03
